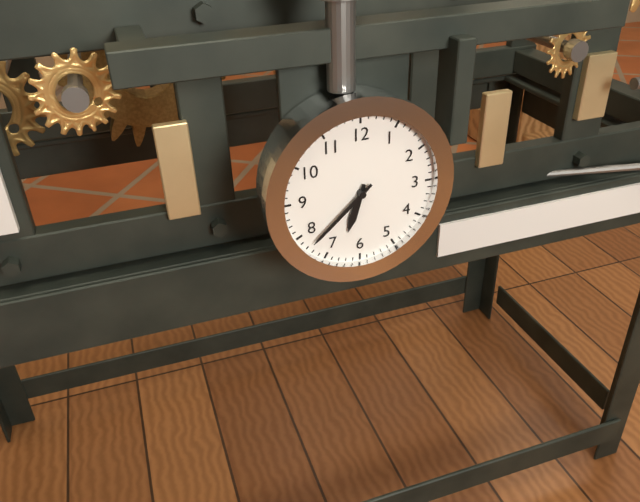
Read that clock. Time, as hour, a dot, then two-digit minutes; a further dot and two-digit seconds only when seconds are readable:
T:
6.38
